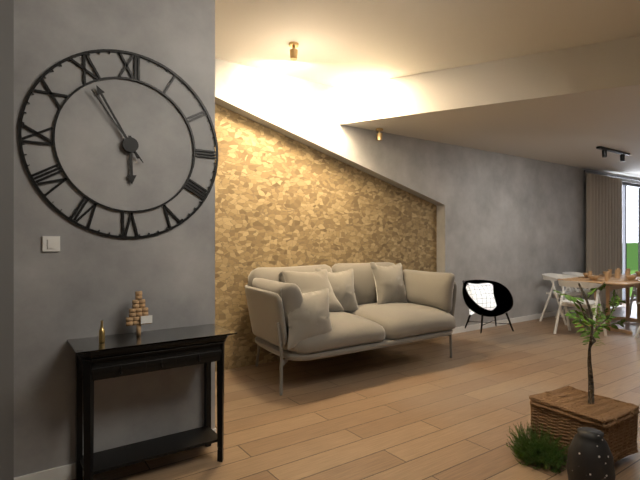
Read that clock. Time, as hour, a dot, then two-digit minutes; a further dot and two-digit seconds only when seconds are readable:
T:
5.55.54
